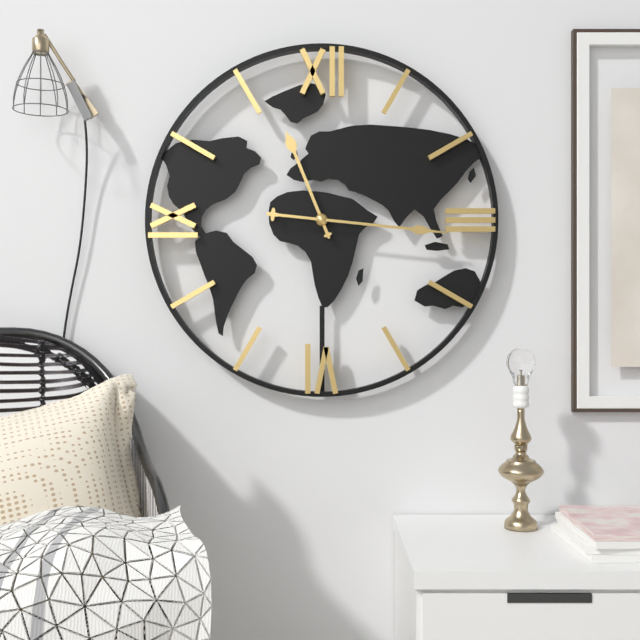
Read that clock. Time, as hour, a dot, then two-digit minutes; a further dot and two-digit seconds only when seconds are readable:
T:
11.16
